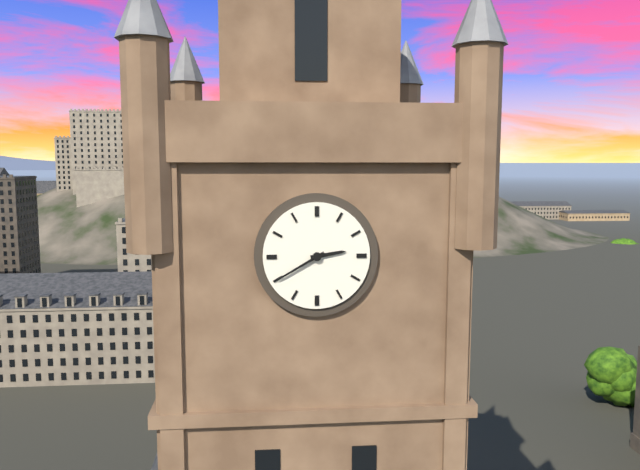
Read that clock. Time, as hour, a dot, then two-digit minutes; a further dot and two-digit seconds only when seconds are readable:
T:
2.40
